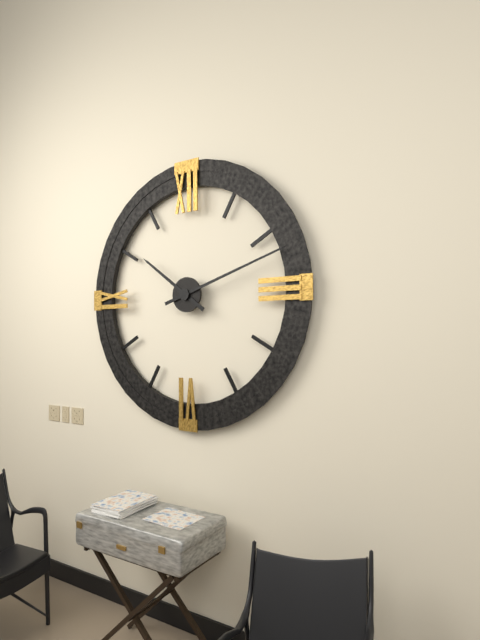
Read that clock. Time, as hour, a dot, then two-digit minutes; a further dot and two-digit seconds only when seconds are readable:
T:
10.12
